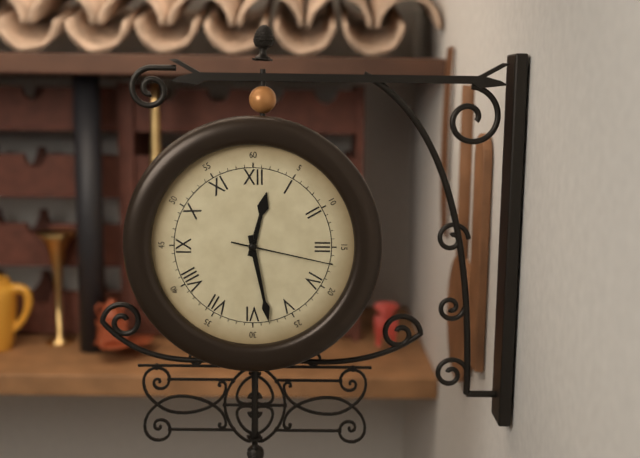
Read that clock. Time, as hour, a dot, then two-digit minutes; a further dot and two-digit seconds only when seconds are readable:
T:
12.28.17
